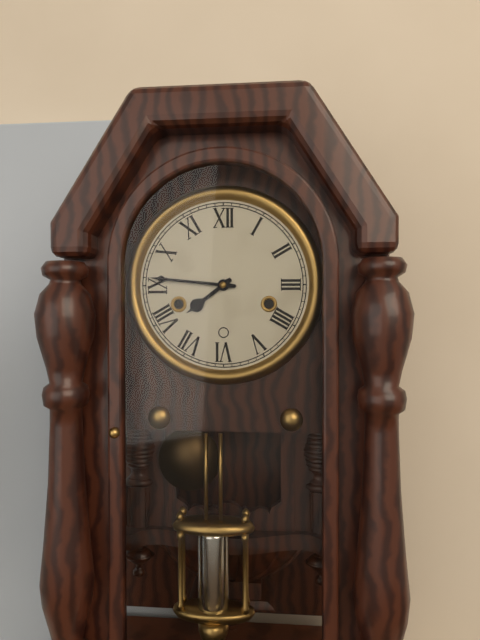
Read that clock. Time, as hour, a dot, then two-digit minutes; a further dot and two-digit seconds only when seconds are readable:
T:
7.46
